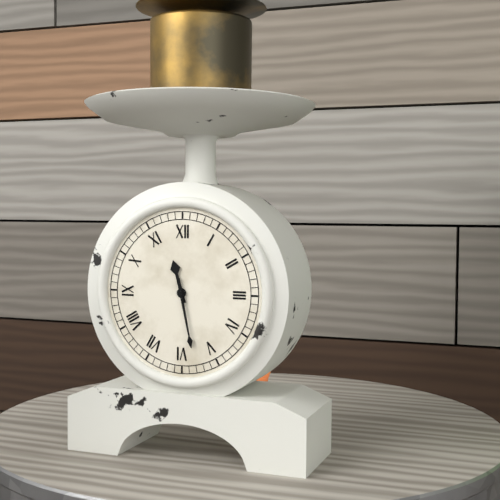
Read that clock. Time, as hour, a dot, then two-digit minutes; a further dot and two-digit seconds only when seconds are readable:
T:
11.28
